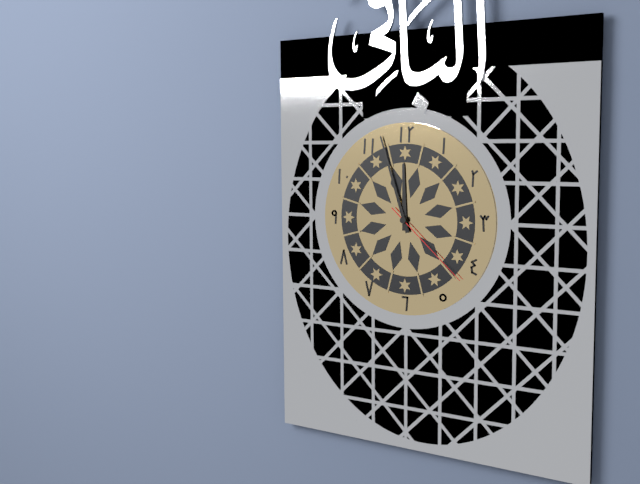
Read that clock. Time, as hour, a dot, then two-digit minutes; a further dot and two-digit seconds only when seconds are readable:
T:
11.57.22
